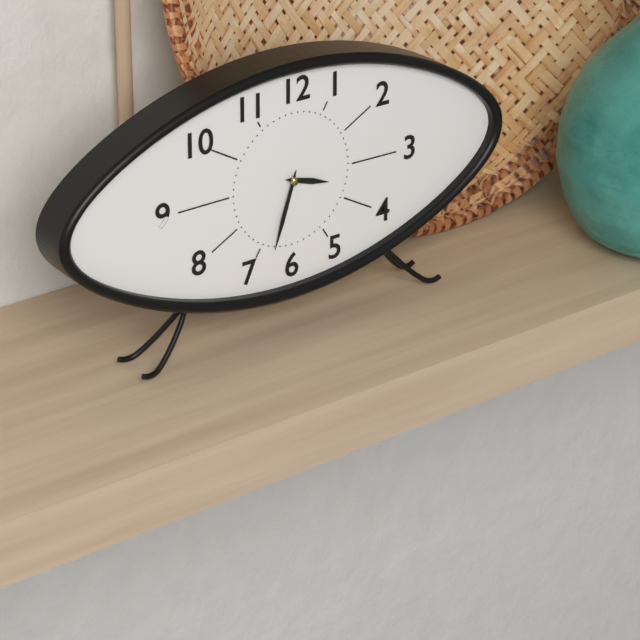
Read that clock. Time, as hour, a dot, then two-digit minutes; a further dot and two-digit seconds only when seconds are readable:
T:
3.33
